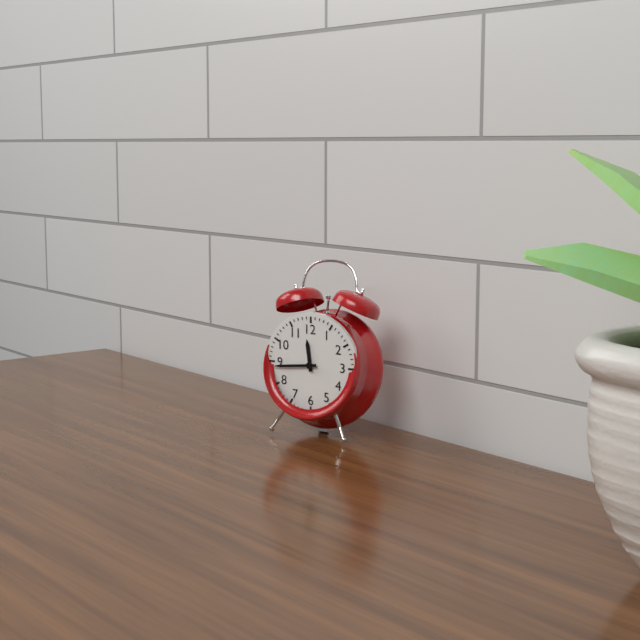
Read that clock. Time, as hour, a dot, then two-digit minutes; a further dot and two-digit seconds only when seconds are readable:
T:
11.44
